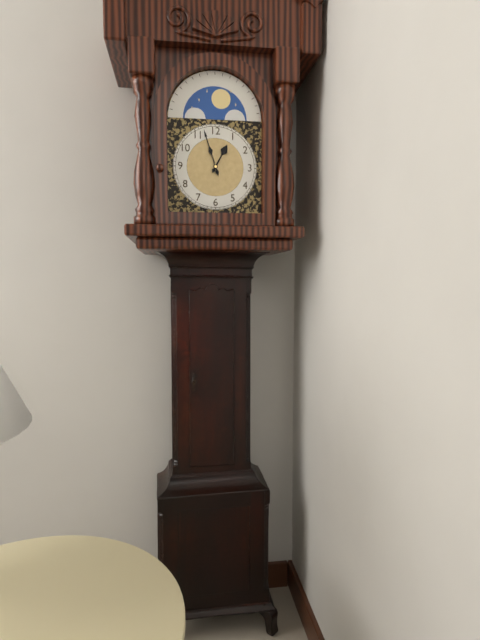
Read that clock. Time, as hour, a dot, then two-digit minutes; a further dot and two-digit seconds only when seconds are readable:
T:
12.57
